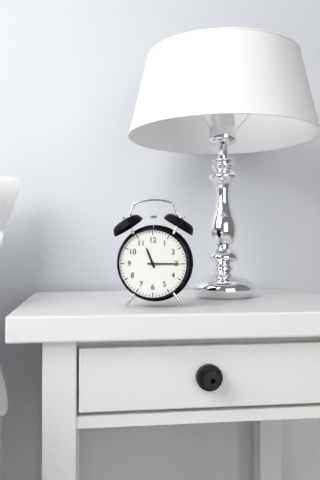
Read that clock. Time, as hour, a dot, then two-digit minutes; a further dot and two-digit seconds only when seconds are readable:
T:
11.15
